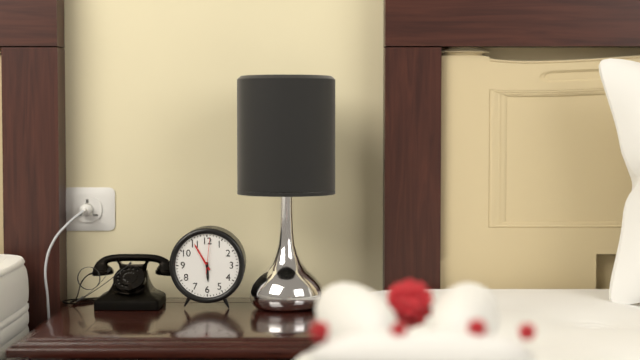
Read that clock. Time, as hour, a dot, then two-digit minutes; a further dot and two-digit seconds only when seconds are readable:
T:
5.55
